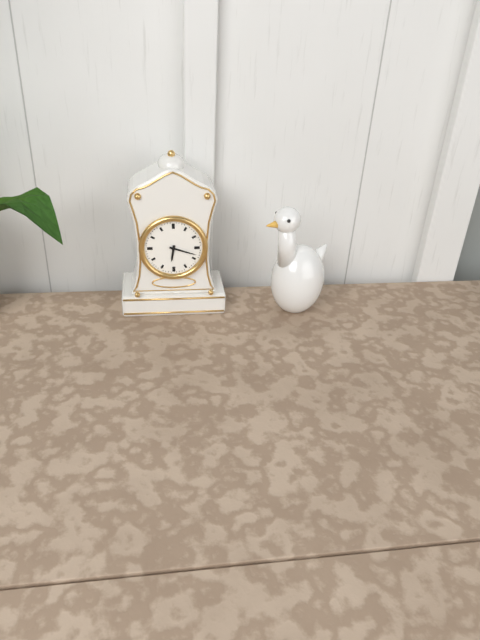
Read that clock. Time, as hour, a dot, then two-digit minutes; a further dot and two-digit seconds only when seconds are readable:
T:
6.18
